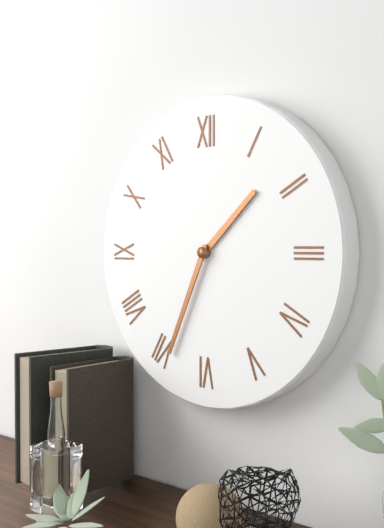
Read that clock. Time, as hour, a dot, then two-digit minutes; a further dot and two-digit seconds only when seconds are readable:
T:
1.34
